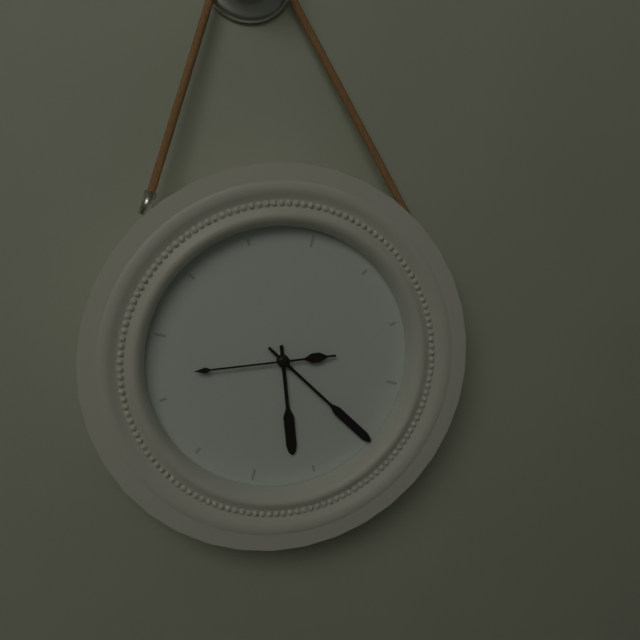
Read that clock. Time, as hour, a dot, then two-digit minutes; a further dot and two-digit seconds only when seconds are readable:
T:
5.20.42
